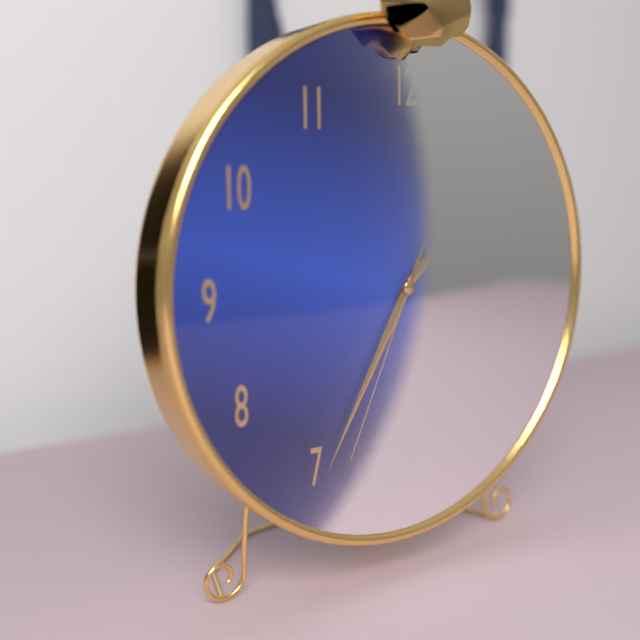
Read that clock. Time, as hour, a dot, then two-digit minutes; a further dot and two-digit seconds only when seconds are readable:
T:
1.35.34
